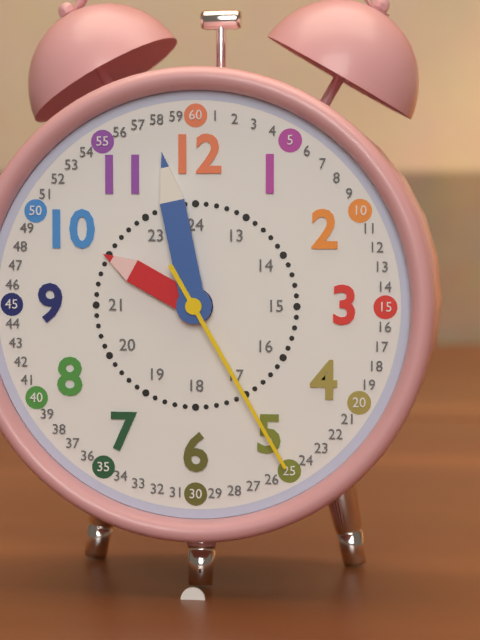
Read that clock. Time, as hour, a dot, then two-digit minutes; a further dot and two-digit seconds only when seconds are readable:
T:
9.58.25
